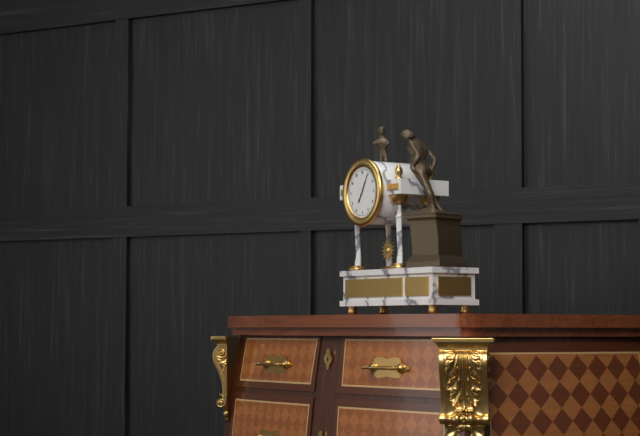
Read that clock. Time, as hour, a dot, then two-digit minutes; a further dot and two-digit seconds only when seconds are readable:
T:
7.05
